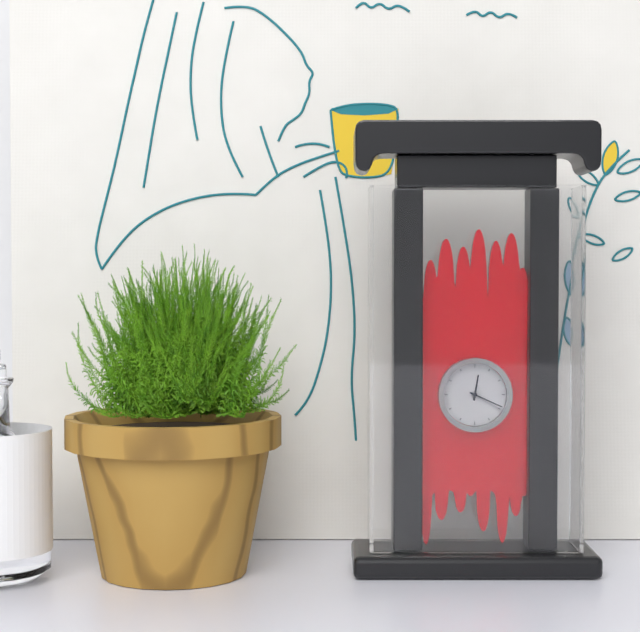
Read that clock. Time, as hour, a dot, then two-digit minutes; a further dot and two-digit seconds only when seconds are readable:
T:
12.19
